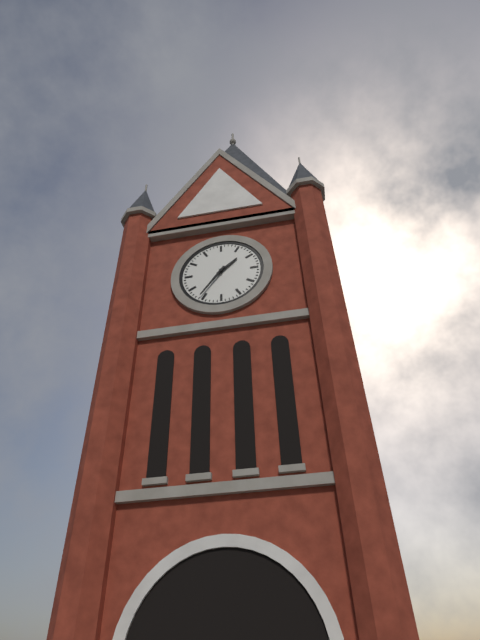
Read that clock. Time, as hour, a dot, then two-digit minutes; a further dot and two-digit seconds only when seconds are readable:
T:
1.36
